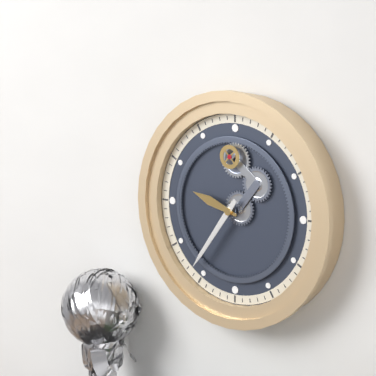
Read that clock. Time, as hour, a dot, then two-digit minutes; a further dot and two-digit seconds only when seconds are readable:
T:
9.36
